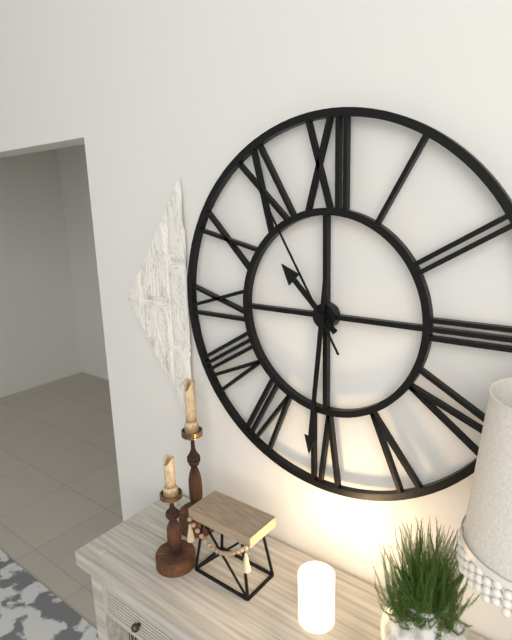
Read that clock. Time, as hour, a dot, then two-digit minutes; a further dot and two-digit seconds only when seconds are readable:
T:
10.31.55
